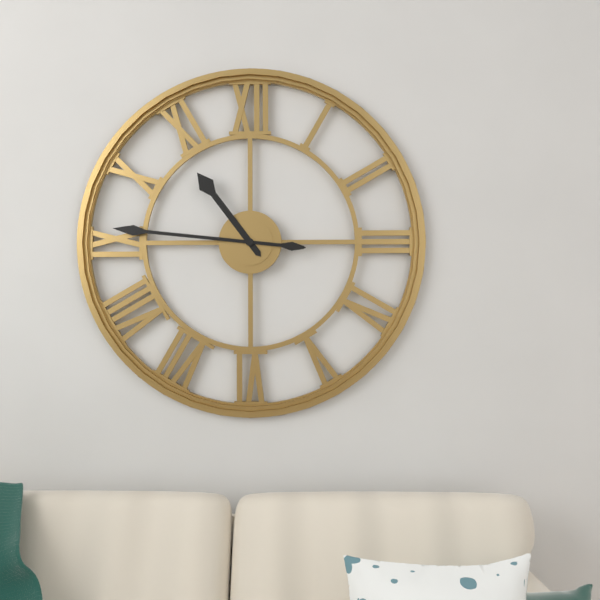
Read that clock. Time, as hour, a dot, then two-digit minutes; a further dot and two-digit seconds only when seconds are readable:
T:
10.46
